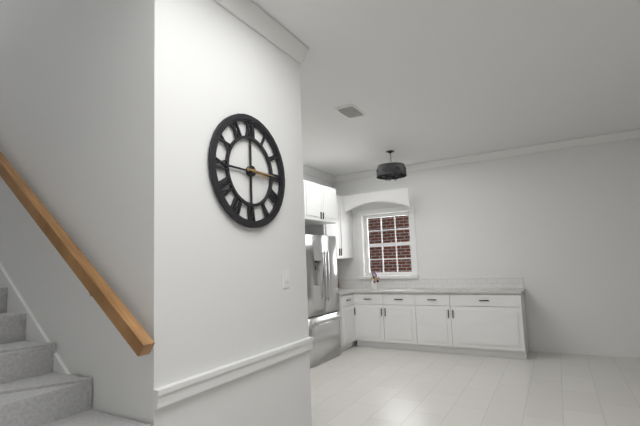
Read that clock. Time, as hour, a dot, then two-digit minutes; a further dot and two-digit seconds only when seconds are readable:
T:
3.15
